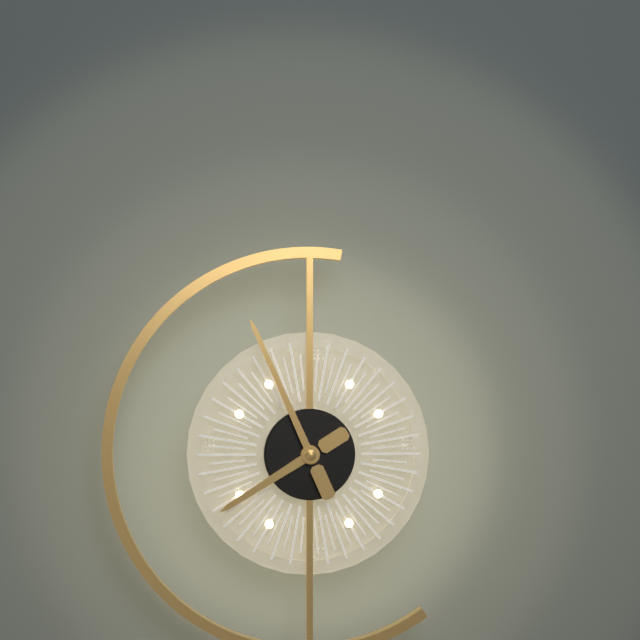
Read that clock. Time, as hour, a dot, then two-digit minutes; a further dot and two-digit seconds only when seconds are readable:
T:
7.56
